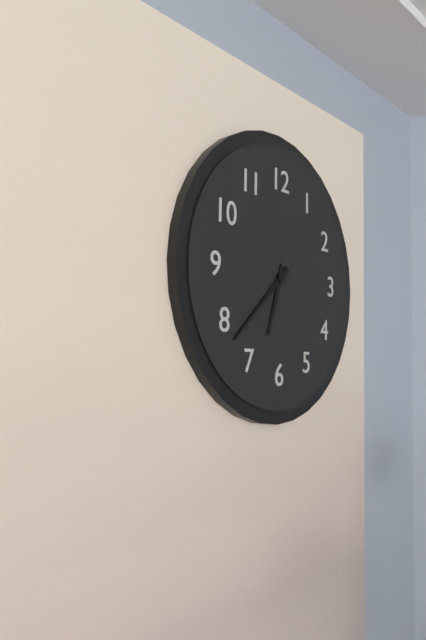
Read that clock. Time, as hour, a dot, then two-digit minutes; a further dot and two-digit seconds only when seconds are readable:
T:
6.38
